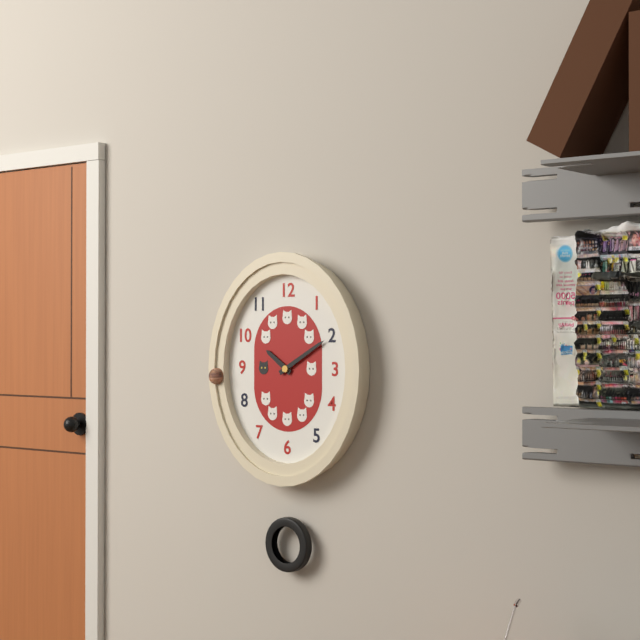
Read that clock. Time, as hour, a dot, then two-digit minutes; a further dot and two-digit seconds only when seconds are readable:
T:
10.10
